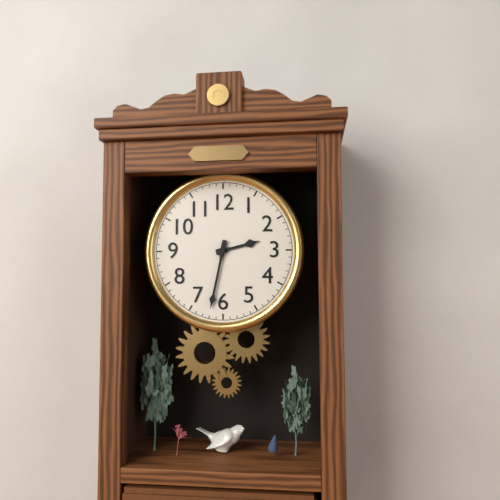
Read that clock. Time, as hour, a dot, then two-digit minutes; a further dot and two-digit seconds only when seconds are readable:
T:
2.32
